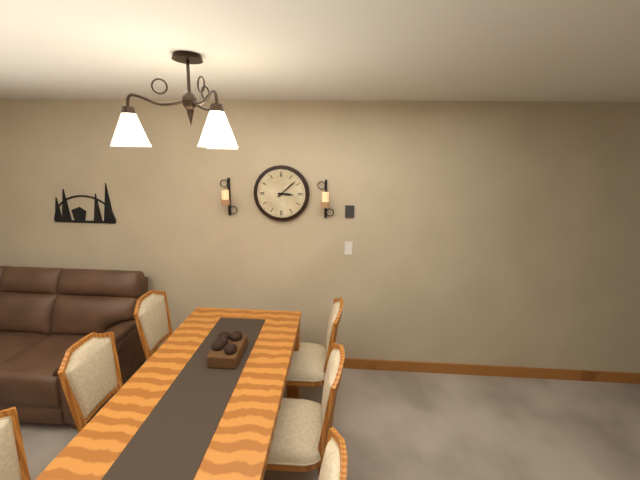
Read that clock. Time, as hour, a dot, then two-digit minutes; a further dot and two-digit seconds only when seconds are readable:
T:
3.08
